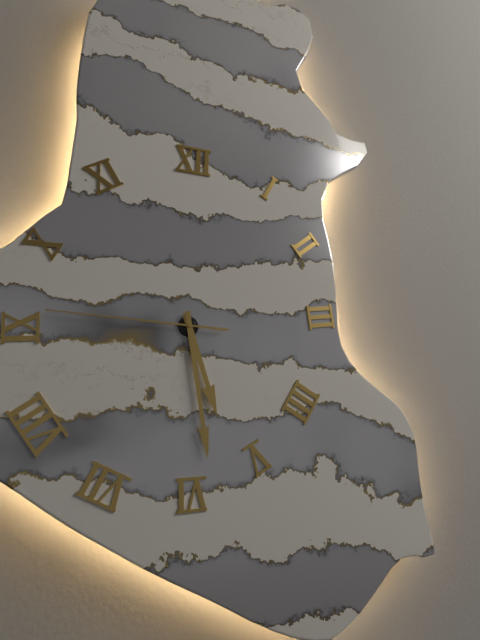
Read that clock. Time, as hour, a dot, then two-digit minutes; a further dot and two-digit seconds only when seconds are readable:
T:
5.29.46
